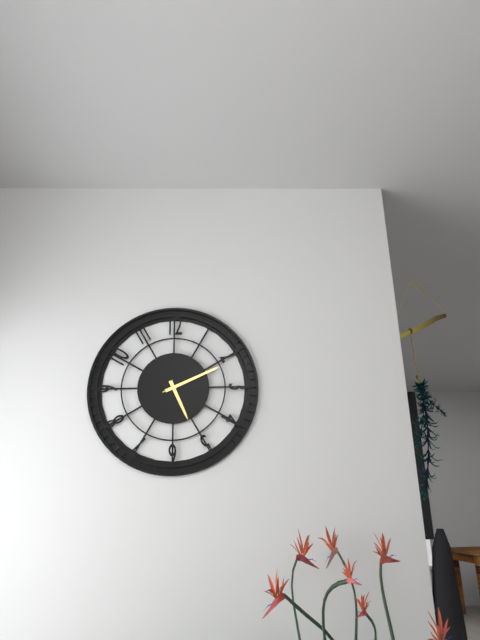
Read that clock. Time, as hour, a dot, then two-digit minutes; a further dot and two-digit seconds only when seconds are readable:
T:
5.11.11
